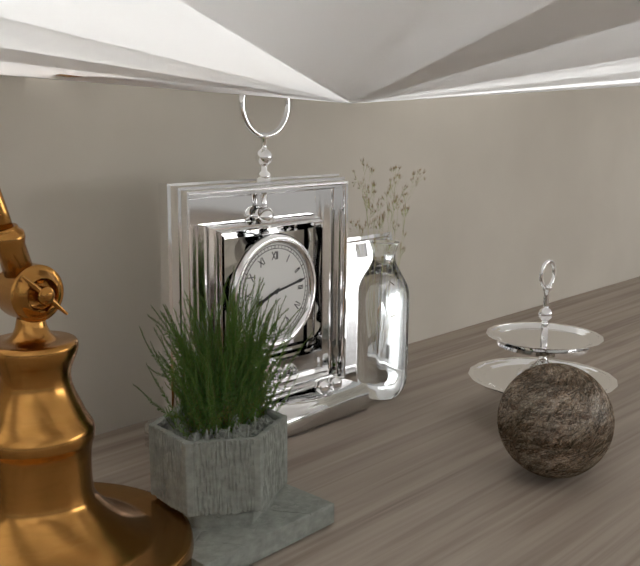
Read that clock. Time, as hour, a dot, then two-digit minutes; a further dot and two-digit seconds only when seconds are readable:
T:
8.13
